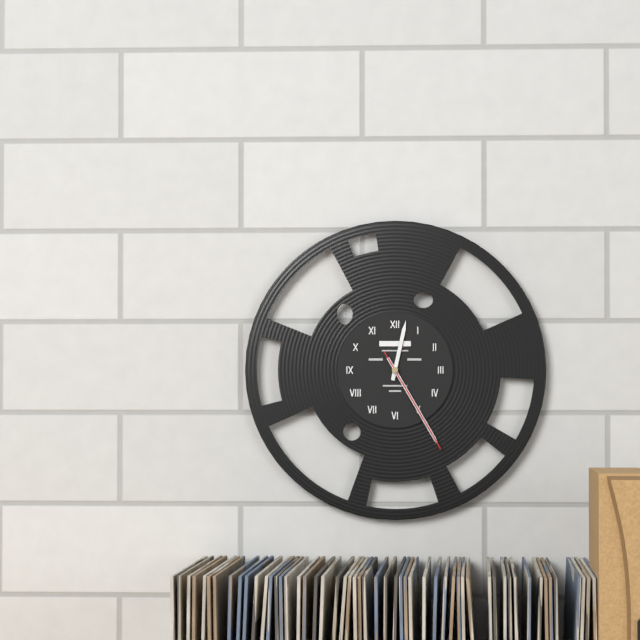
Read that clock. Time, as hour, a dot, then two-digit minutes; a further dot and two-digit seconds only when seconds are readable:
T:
12.25.25
